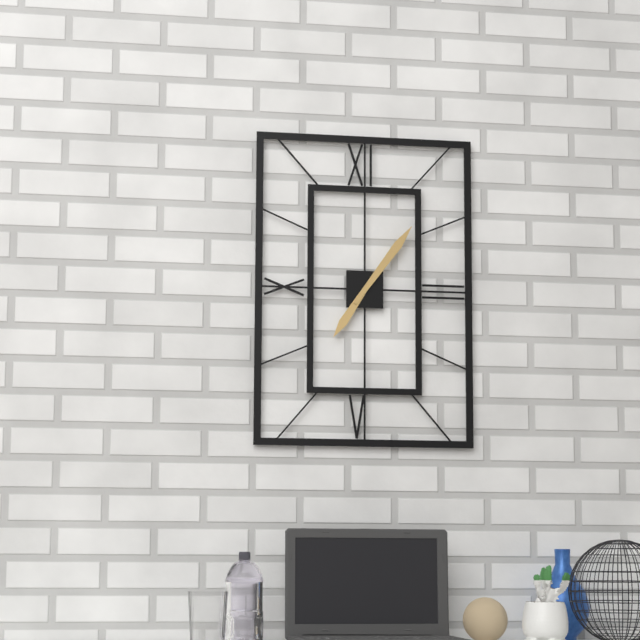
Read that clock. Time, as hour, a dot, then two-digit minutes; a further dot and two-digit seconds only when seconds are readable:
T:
7.06
